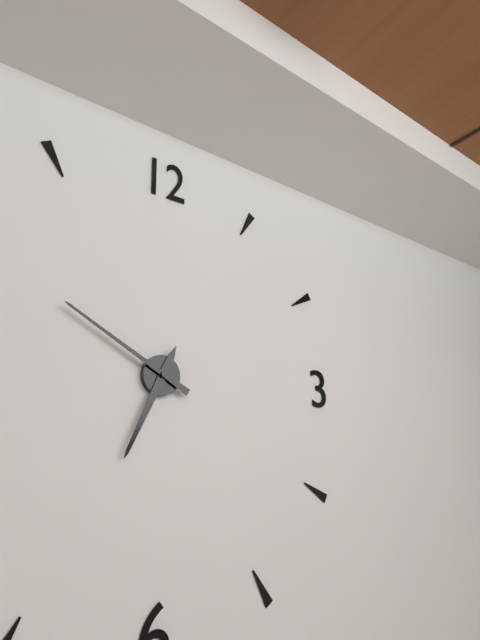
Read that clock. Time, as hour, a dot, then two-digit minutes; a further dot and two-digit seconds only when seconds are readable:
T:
6.50
